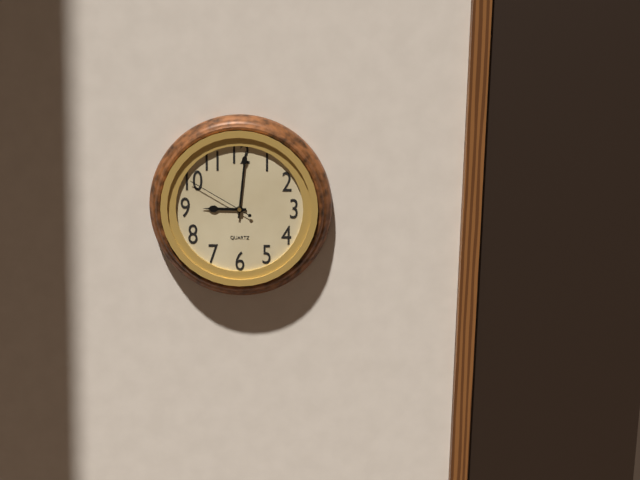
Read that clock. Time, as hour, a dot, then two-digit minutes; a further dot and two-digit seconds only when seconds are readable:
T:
9.01.50
